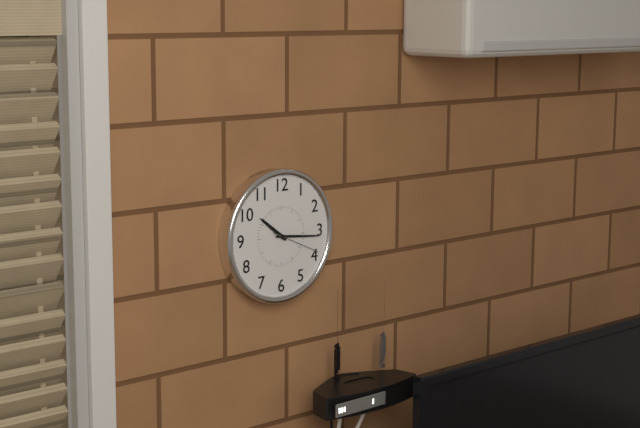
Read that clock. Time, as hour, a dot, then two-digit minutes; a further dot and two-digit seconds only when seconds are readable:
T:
10.16
